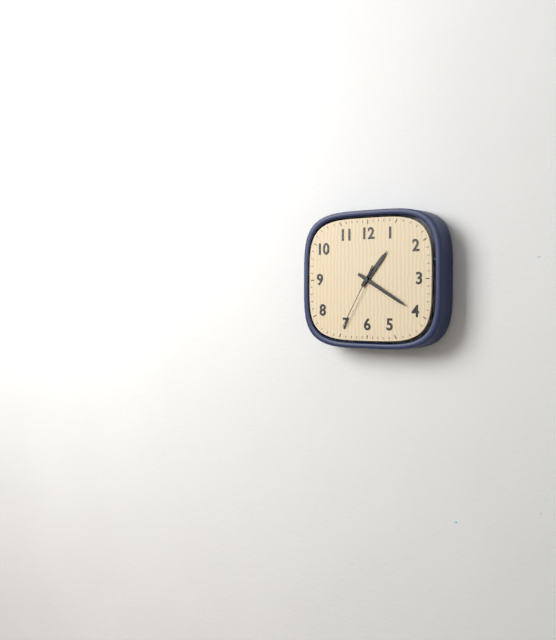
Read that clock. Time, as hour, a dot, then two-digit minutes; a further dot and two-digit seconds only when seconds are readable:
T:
1.20.35
